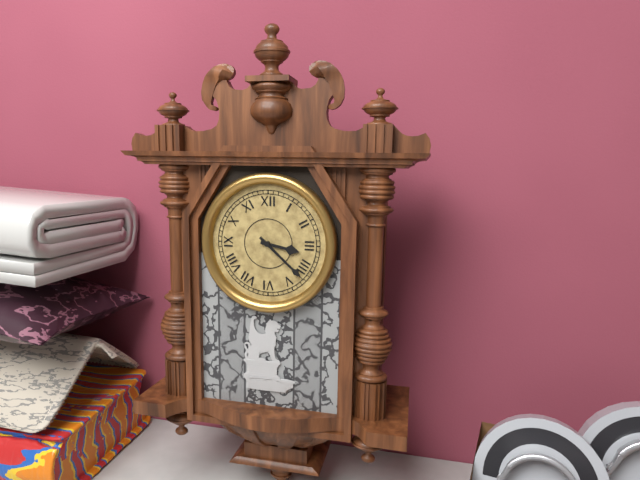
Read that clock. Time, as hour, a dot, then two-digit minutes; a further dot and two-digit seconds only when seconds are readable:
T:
3.22
